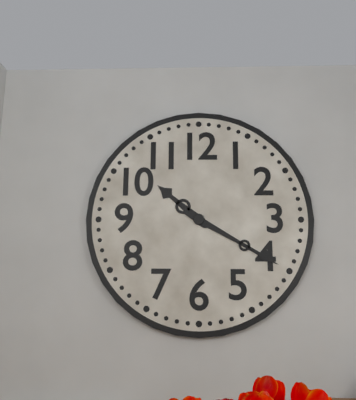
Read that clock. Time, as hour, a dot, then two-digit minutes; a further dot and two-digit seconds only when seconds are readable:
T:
10.20
